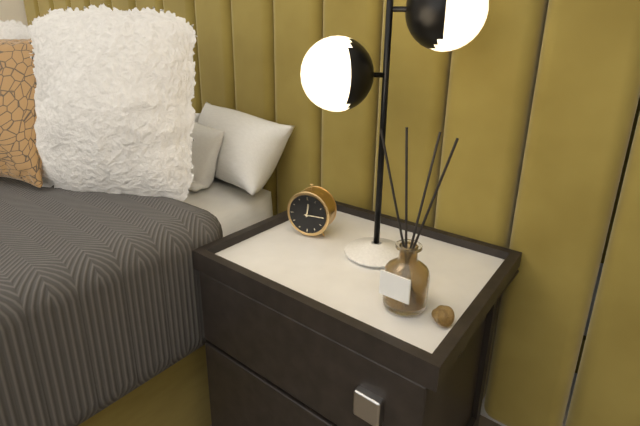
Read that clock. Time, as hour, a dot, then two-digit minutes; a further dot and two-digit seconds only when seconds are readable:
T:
12.15
